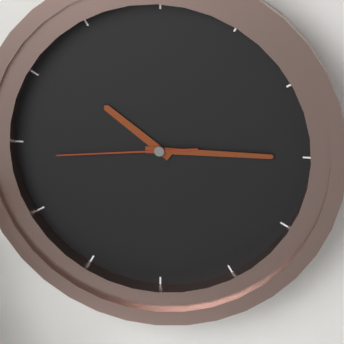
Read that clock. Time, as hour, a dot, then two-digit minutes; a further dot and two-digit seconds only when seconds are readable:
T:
10.15.44
